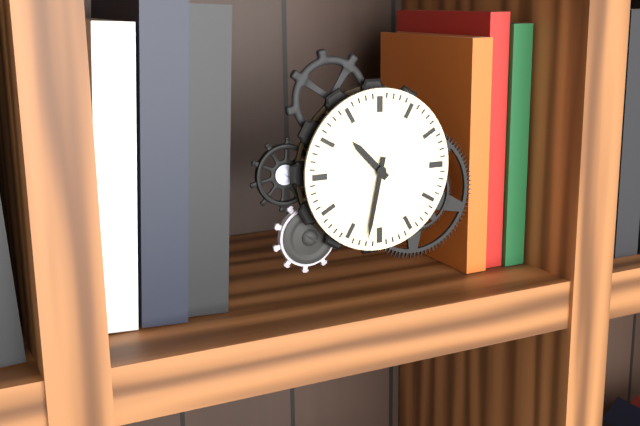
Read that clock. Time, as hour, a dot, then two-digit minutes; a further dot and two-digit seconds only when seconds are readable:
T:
10.32
